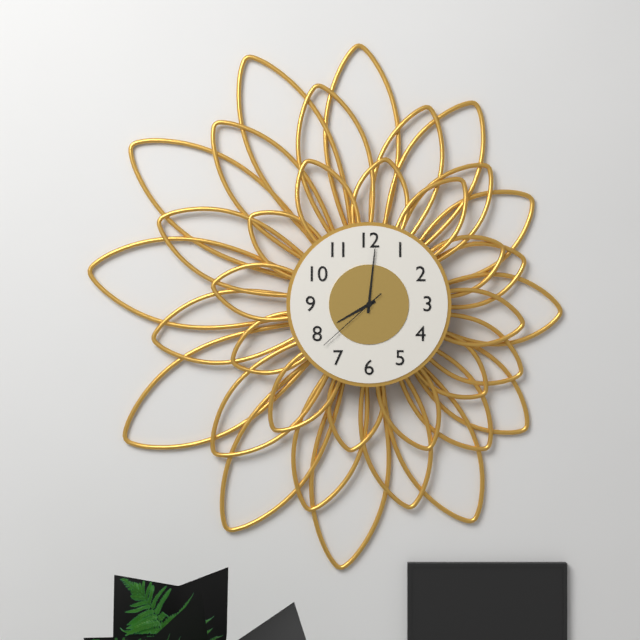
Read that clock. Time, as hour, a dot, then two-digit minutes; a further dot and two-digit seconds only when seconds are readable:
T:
8.01.38
